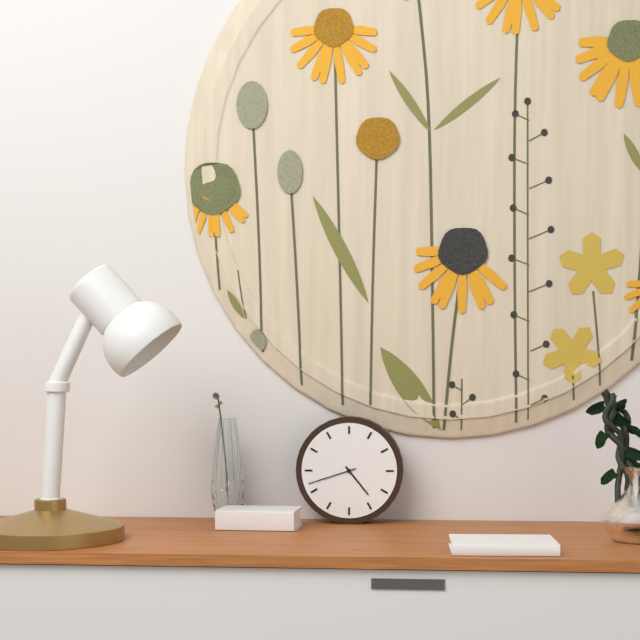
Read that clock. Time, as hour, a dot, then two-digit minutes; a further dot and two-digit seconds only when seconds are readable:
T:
4.42
